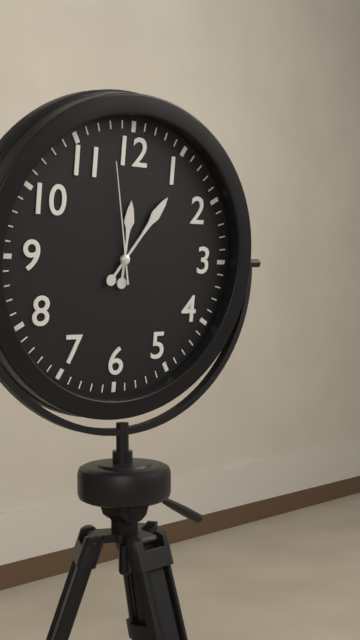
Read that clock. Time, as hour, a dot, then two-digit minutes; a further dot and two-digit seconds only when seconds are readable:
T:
12.06.58
